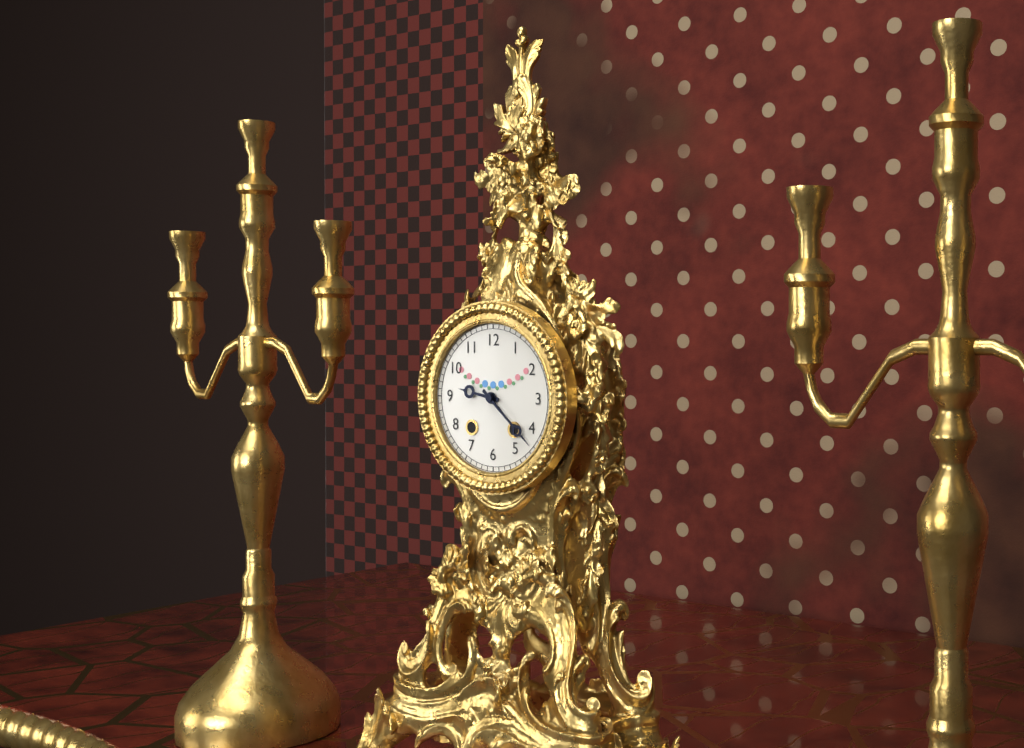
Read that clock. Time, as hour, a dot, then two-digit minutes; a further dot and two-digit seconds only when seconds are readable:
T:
9.22
